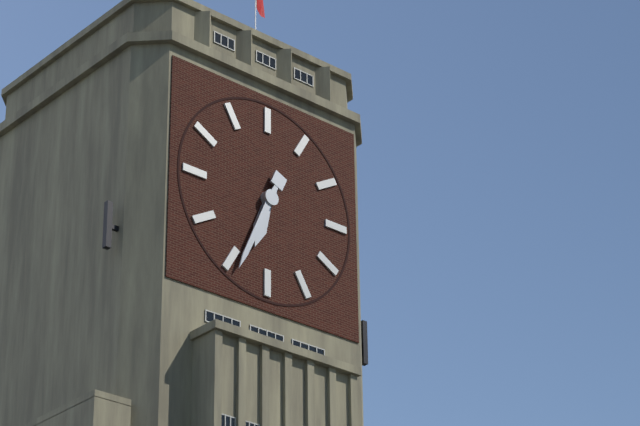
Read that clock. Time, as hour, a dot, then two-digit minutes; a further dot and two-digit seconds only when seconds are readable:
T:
6.34
